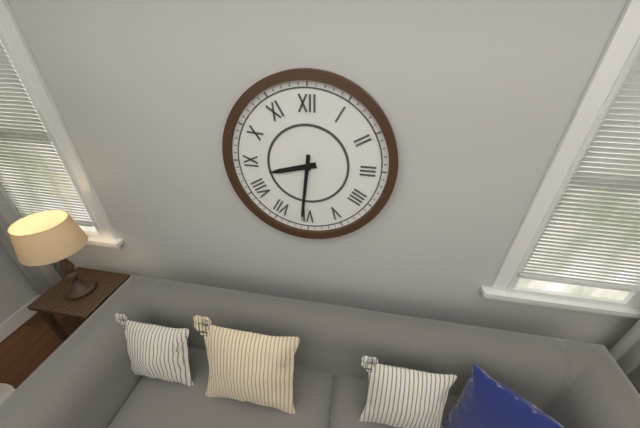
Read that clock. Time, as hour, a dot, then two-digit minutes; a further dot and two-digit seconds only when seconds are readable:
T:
8.31
